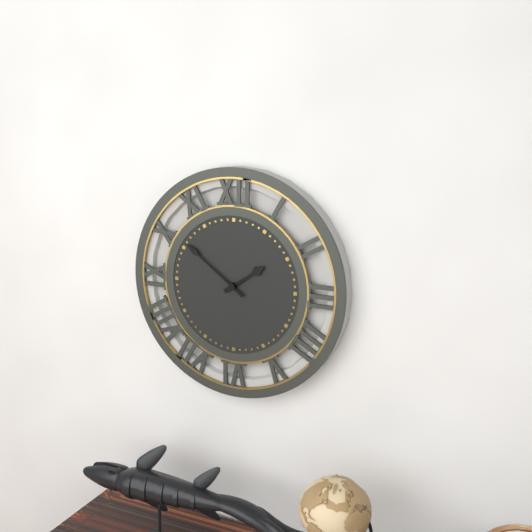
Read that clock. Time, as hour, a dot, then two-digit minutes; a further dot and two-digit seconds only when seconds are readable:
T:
1.51
